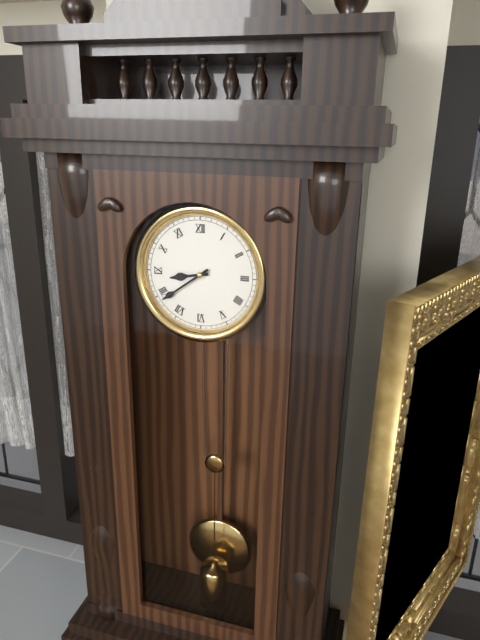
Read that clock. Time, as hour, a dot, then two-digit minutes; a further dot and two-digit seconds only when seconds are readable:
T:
8.39
